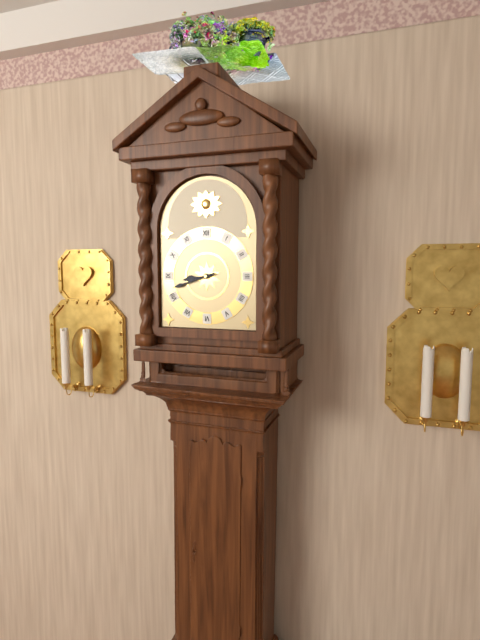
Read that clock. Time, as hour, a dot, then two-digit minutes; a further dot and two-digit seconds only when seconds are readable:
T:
8.42
